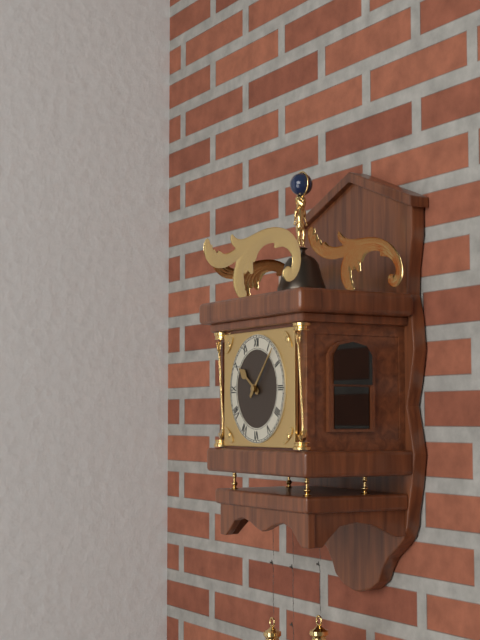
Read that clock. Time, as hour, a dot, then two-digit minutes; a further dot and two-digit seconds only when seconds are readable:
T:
10.07
